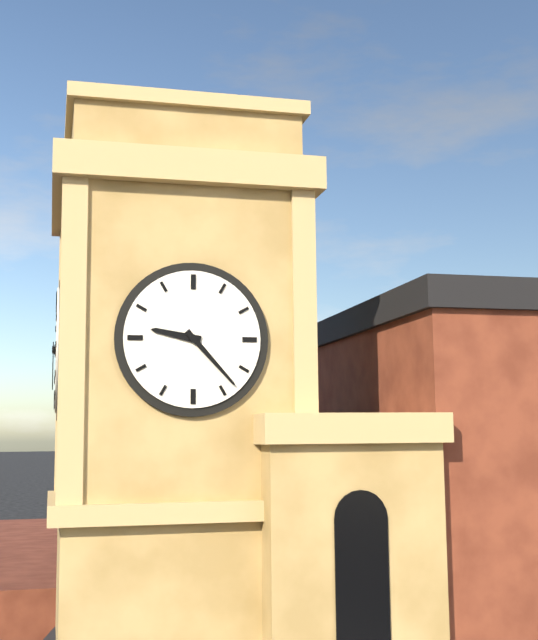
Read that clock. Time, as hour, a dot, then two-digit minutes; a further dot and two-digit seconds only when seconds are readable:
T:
9.23
